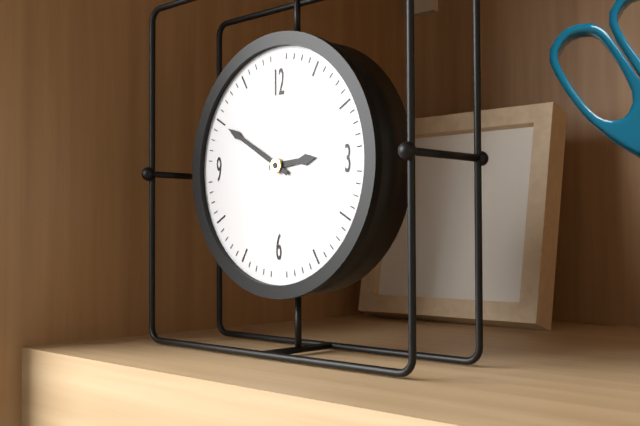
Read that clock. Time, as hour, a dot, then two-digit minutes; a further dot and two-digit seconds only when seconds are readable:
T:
2.50
